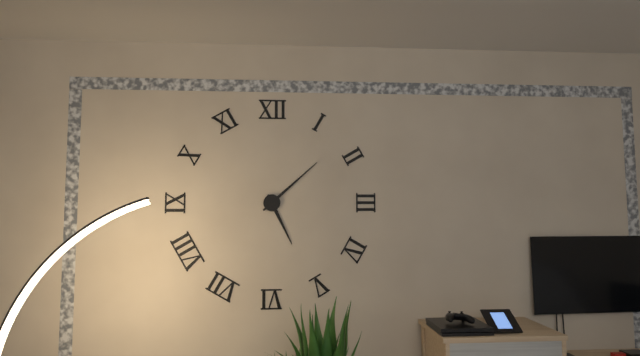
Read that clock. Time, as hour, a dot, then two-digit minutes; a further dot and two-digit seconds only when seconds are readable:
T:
5.08
